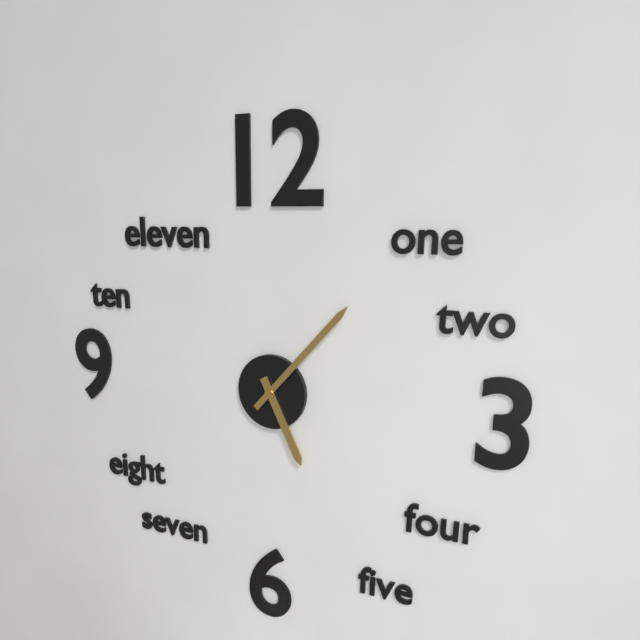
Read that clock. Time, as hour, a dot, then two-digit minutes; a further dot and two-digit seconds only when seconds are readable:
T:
5.07
